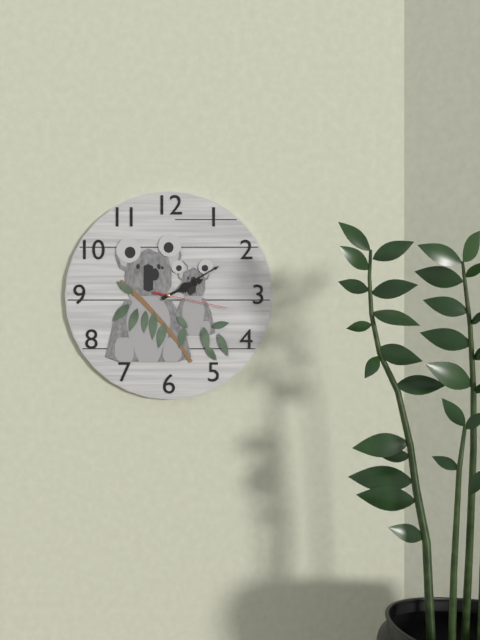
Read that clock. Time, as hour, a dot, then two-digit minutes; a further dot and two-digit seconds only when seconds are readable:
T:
2.10.17
